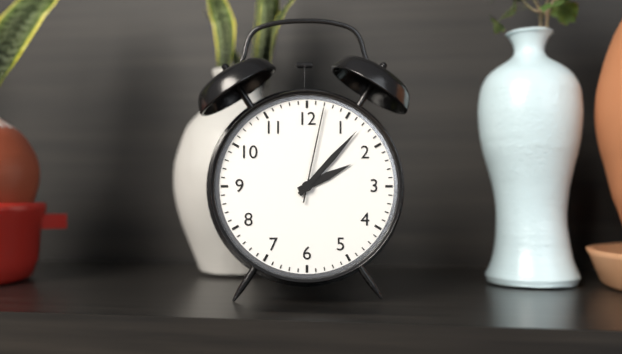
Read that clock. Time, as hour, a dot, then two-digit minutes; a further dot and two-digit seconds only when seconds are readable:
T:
2.07.02
